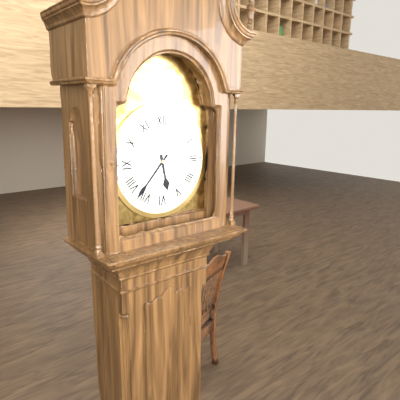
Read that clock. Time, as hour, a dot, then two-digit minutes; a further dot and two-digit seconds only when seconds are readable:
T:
5.37
